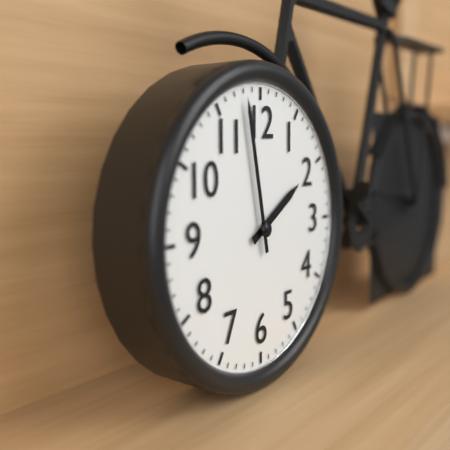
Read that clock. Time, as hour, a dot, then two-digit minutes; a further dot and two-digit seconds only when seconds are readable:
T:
1.58
